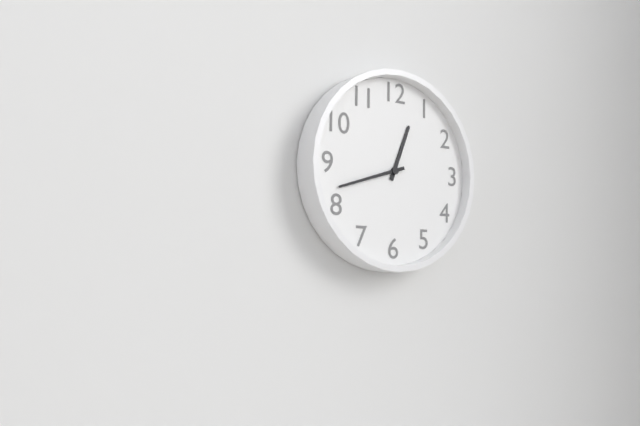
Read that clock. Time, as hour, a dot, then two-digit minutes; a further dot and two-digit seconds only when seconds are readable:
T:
12.42
